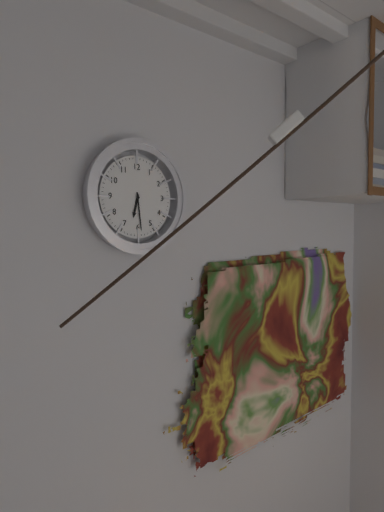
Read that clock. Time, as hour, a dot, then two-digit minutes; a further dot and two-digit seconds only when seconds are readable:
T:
6.29
